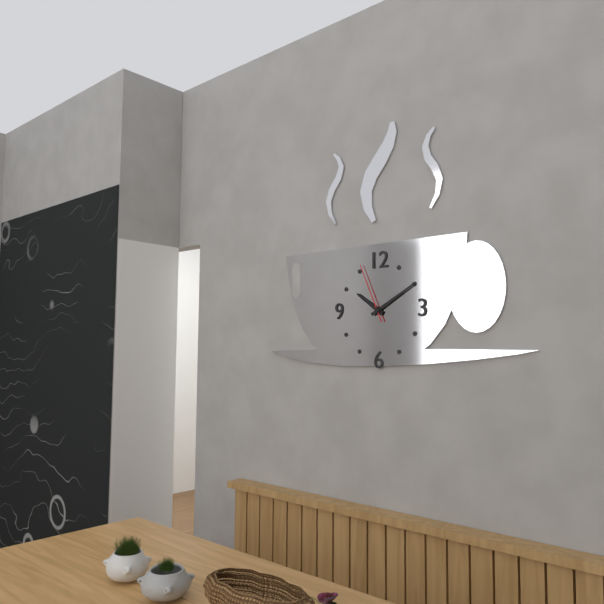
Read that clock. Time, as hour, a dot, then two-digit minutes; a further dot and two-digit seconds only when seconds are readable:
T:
10.10.56
